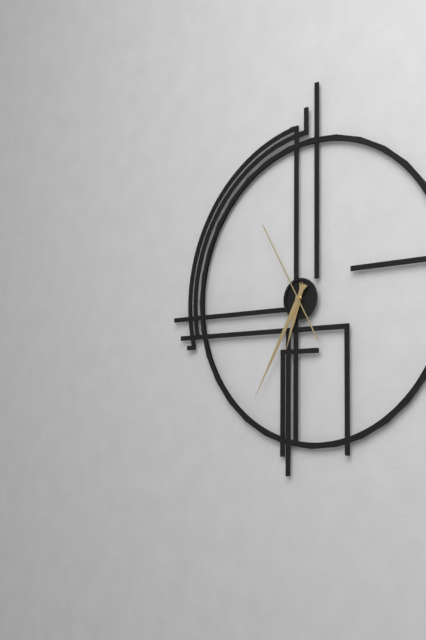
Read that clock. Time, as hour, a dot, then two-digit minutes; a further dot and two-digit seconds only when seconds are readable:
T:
6.35.55
